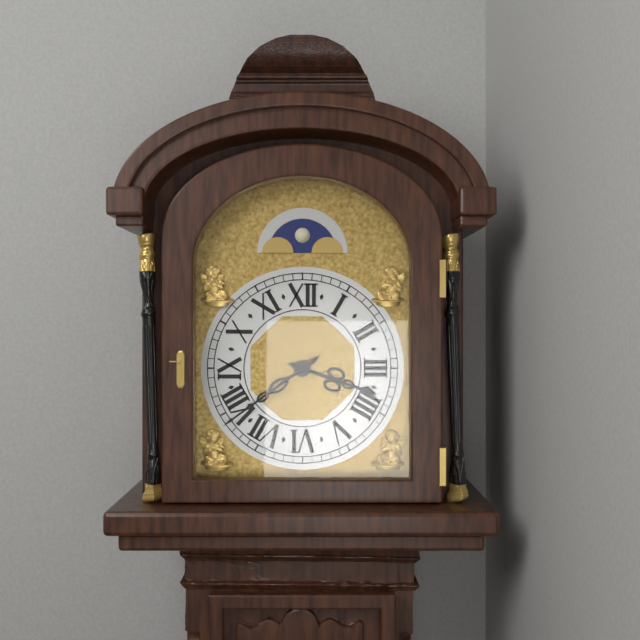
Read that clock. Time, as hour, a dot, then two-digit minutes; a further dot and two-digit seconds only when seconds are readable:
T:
3.39
